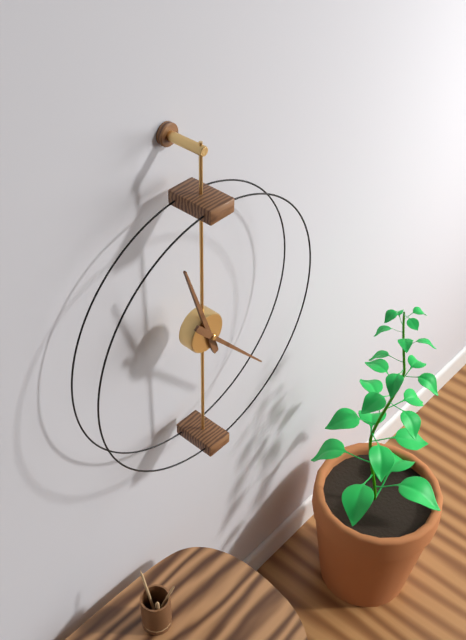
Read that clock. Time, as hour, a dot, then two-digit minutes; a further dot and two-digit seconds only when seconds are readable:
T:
11.23
